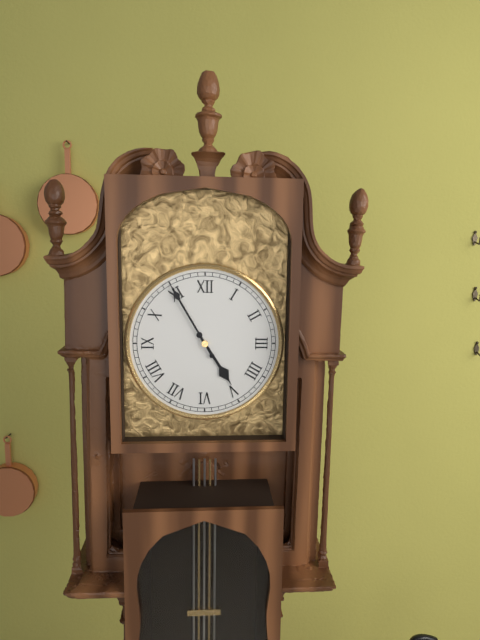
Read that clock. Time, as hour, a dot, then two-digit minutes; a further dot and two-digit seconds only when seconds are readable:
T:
4.55
